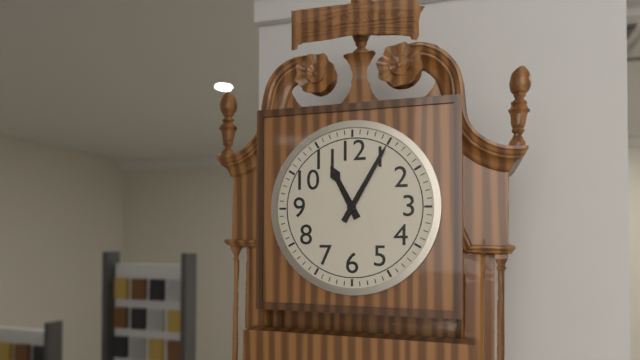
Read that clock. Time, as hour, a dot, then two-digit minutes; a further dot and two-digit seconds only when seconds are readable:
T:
11.05
